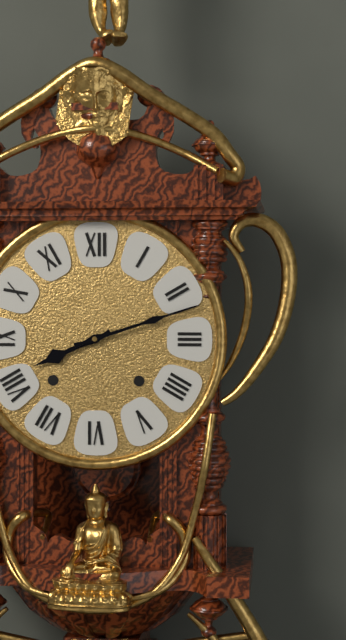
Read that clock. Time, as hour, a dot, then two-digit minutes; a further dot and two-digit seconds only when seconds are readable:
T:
8.12
